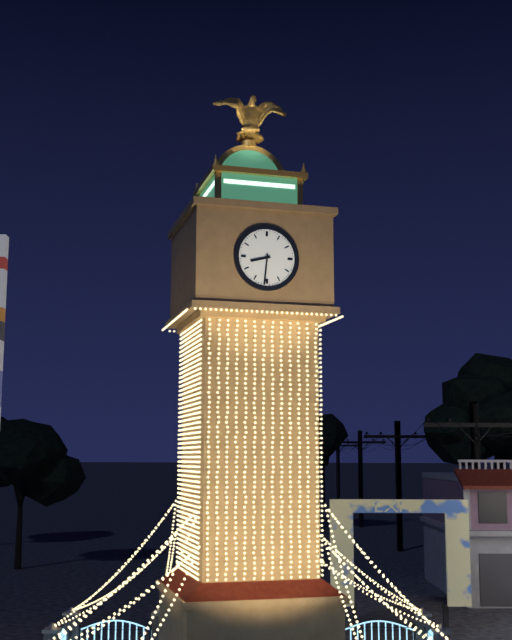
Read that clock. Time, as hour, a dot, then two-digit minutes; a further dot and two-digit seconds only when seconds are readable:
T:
8.31
